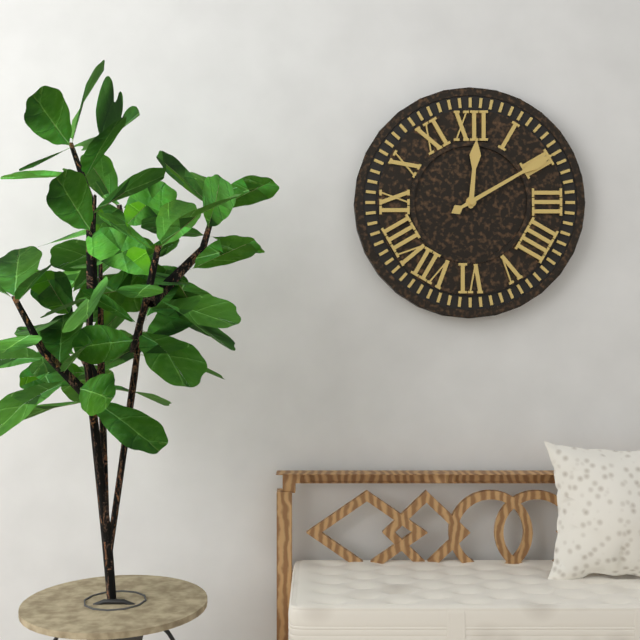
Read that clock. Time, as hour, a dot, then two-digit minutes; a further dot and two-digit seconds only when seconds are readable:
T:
12.10
